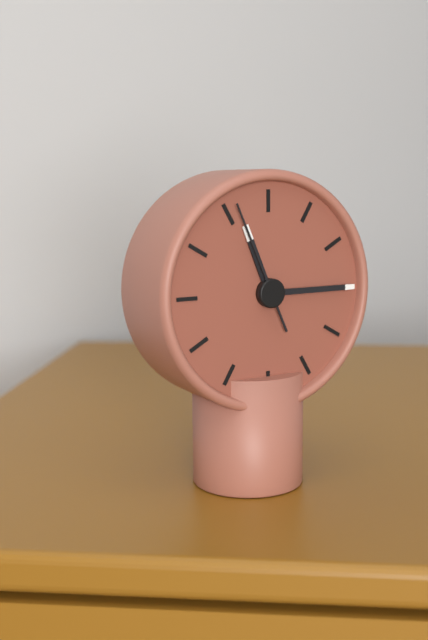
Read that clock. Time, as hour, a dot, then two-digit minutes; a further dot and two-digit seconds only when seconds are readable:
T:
11.15.56
